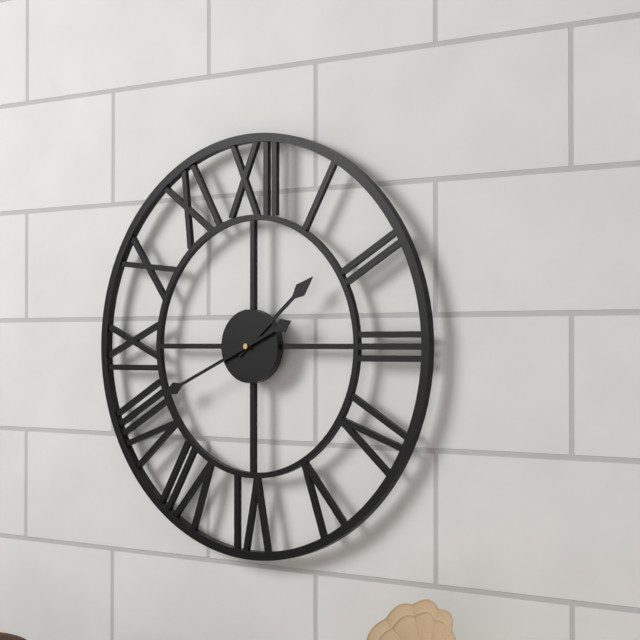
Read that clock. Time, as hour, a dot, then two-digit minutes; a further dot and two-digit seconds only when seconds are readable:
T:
1.41
